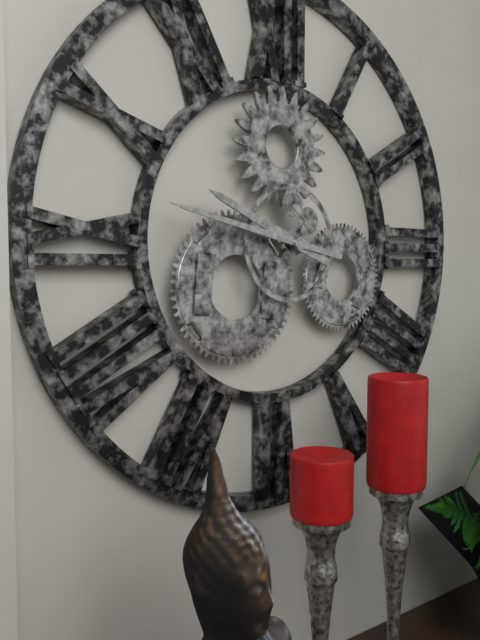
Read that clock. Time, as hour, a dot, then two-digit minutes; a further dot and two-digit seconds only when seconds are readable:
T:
9.47
